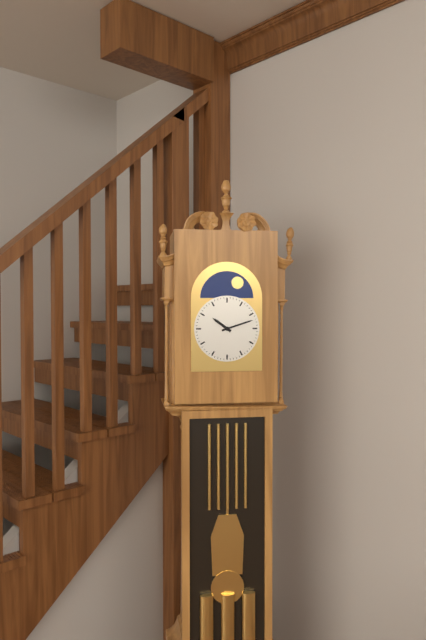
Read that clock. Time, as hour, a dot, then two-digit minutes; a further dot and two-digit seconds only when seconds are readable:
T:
10.12
